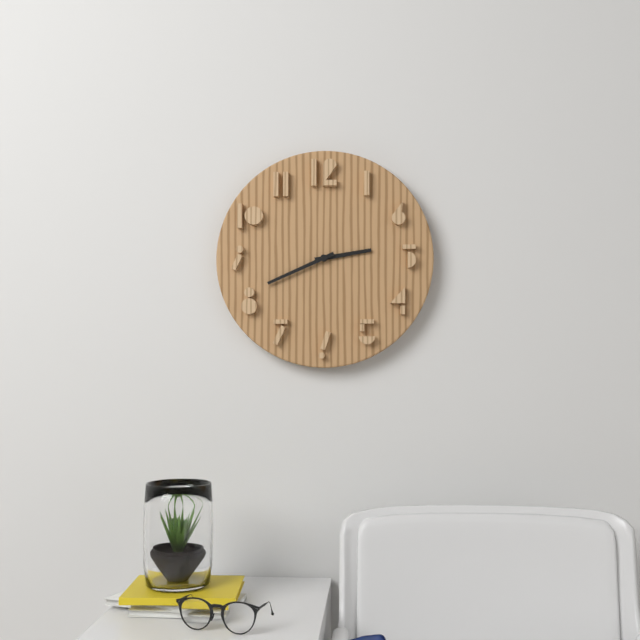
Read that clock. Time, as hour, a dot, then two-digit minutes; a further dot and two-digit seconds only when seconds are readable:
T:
2.41
